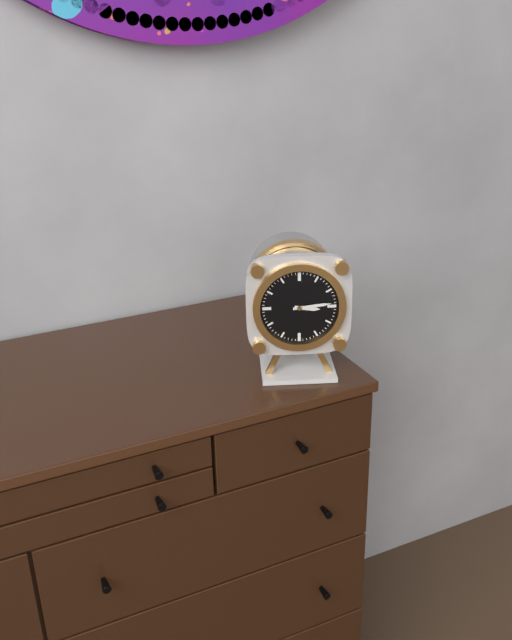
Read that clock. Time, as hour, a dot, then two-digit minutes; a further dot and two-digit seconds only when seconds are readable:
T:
3.14
